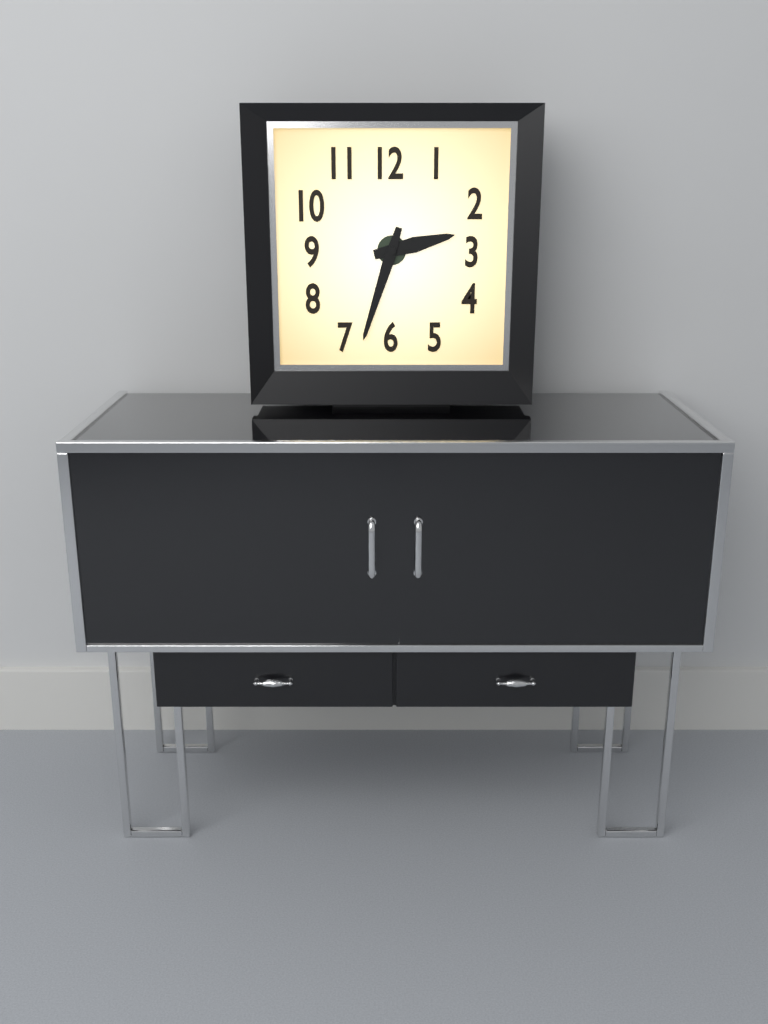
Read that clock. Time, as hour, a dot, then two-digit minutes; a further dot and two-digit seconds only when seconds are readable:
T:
2.33
